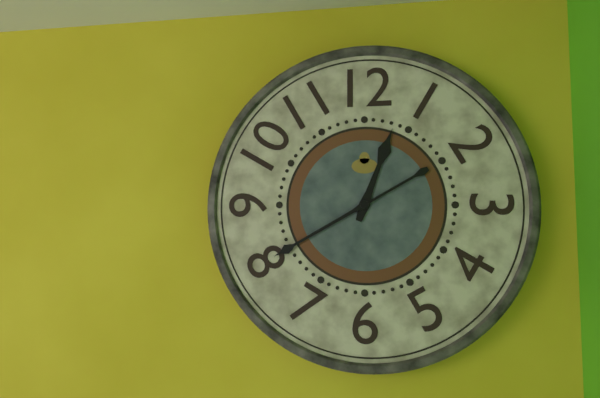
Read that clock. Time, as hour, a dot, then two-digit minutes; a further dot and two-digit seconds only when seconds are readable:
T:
12.40
